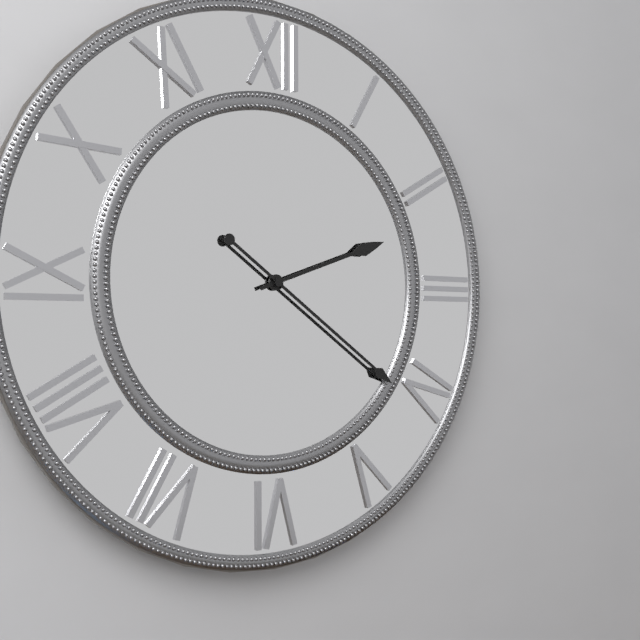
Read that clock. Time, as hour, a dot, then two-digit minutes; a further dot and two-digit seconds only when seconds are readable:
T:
2.21
